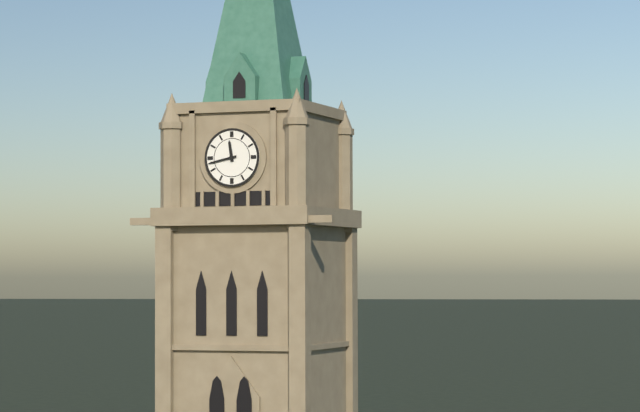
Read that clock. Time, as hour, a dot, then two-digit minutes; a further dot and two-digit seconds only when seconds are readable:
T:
11.43
